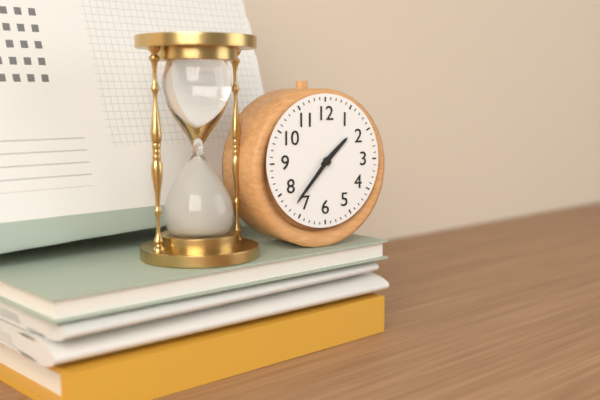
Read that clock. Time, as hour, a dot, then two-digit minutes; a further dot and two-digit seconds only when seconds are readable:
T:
1.37
